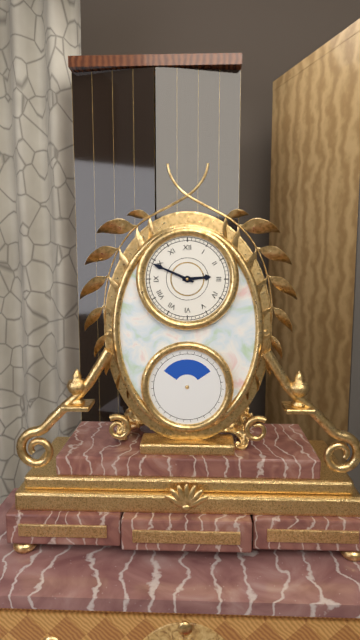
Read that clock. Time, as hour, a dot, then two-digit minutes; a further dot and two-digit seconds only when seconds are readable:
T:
2.49
